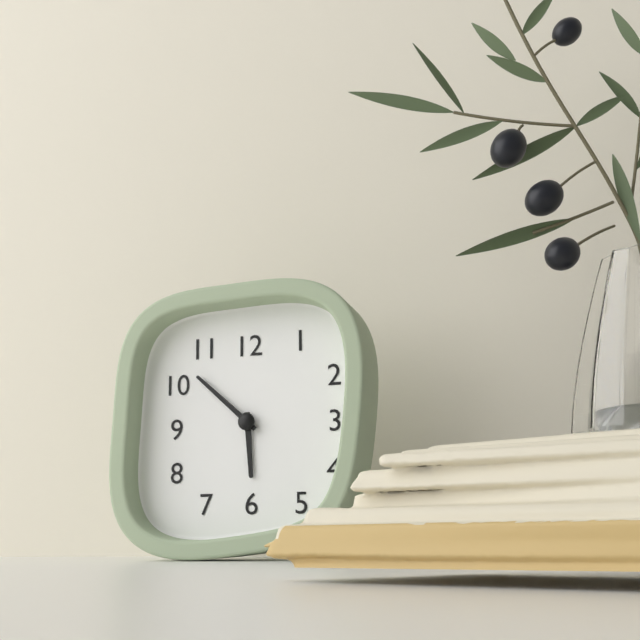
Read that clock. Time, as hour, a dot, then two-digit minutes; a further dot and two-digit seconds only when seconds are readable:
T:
5.52
